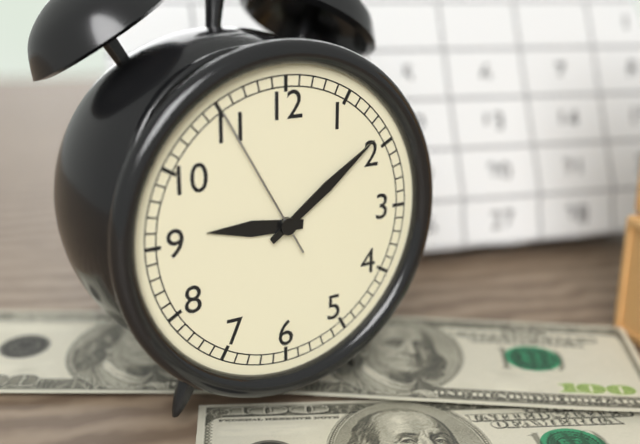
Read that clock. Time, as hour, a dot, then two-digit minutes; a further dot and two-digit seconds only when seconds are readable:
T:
9.09.55
